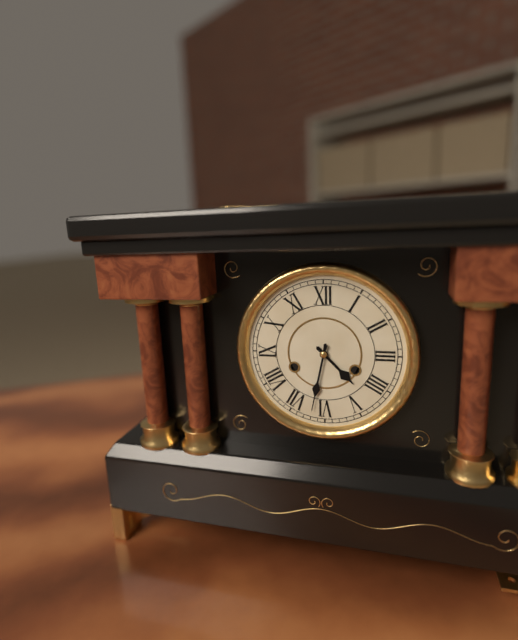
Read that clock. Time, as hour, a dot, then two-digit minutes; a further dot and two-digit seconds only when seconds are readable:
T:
4.32
